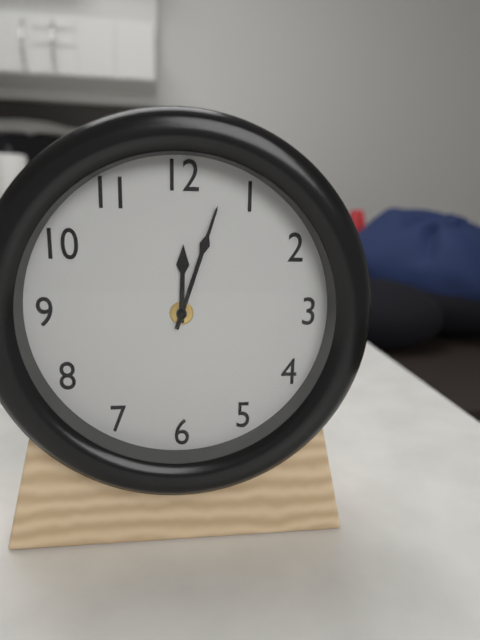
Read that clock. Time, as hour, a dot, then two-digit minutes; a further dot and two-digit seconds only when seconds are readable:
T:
12.03
